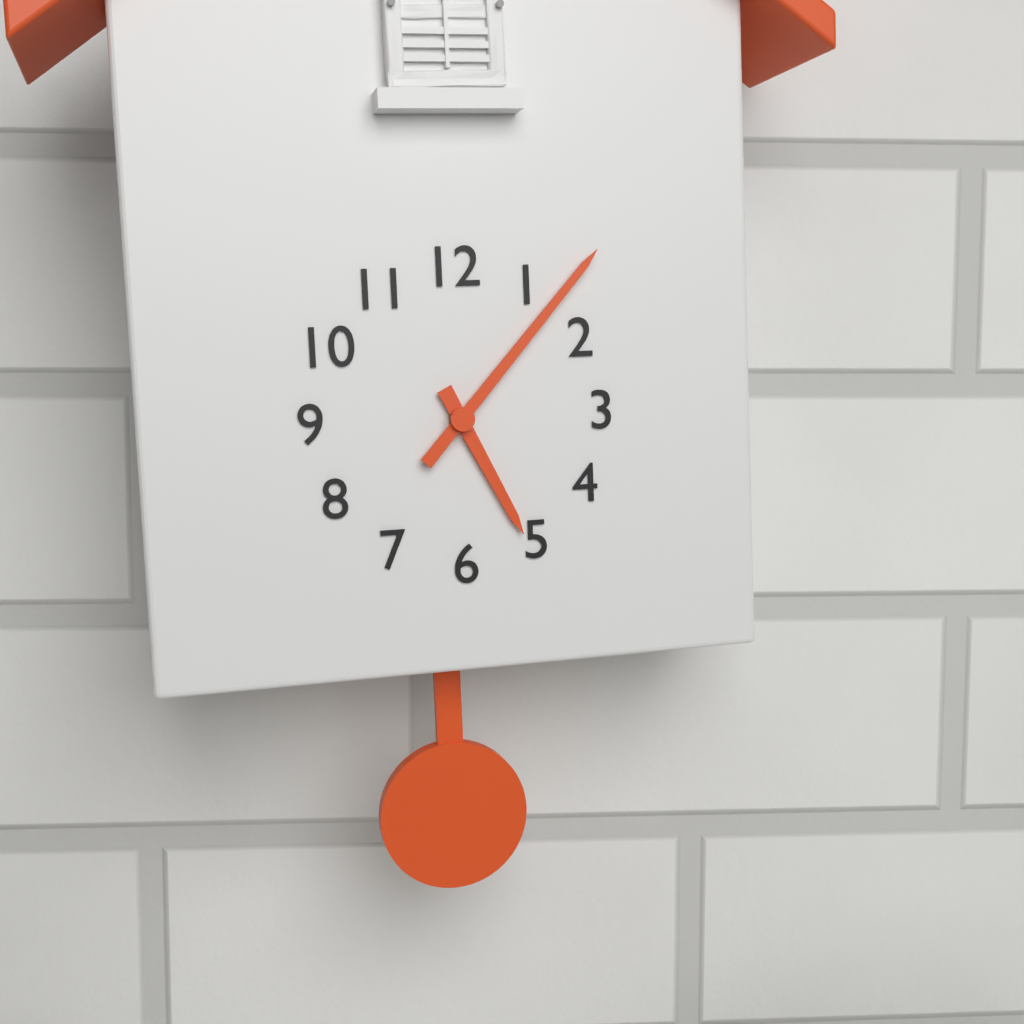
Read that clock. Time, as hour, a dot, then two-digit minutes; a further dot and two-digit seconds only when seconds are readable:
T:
5.07
